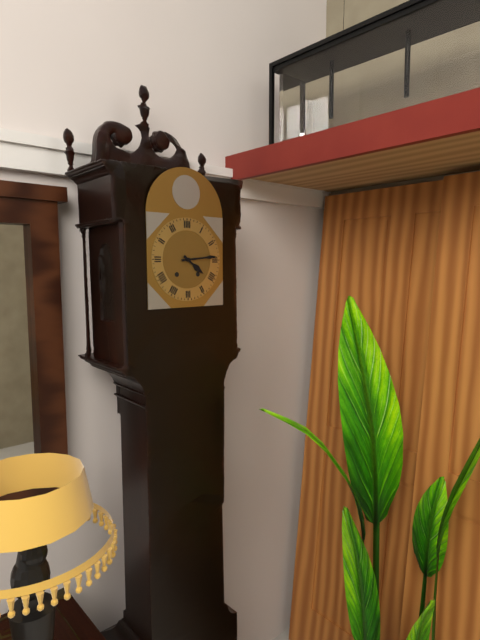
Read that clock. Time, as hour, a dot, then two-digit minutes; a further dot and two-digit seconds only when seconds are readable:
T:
4.14
